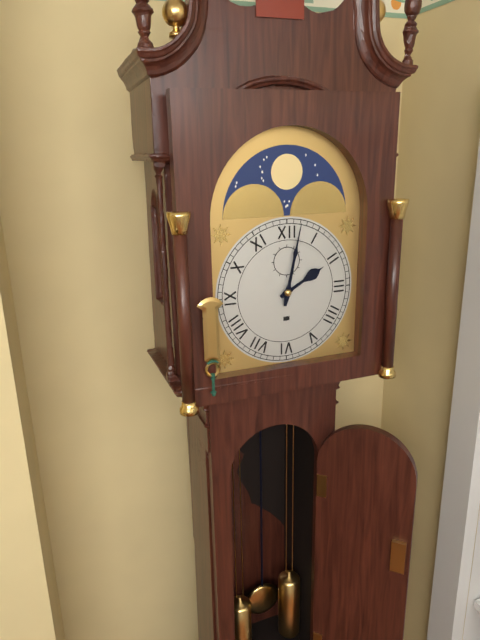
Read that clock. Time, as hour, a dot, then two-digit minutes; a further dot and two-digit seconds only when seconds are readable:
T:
2.02
